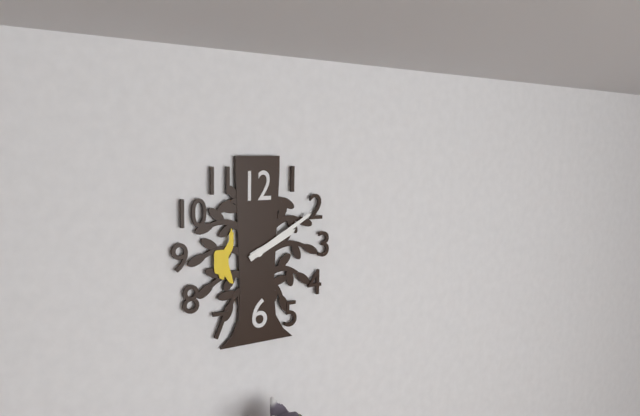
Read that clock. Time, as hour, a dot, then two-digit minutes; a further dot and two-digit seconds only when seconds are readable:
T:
2.10
